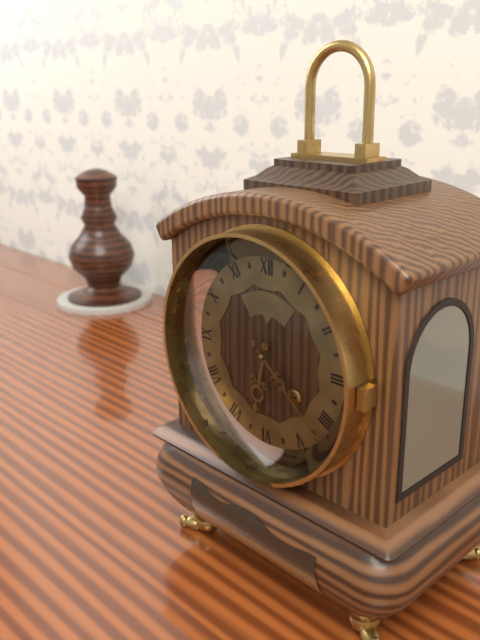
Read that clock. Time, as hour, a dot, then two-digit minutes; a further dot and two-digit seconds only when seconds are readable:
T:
6.22
